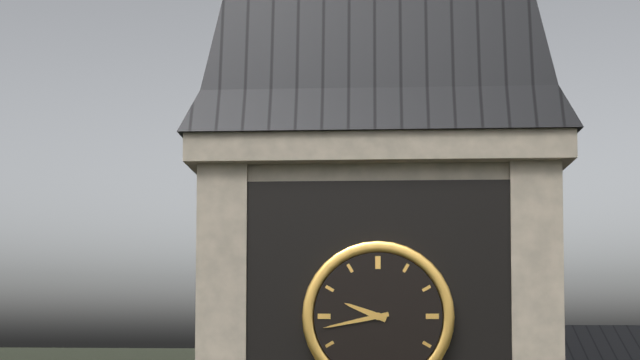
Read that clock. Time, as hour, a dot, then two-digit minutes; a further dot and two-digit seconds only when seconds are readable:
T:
9.43
